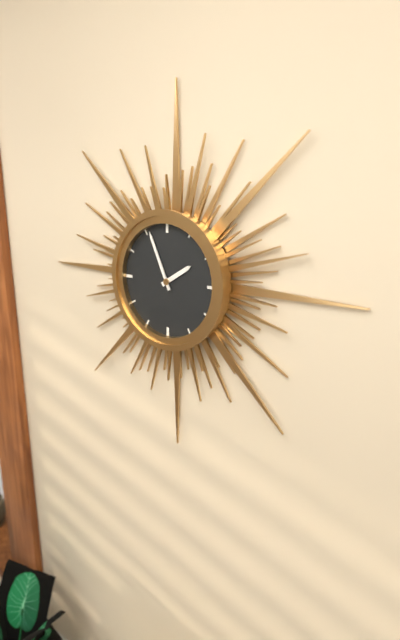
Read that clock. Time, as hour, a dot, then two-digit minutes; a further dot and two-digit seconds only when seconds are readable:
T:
1.56
